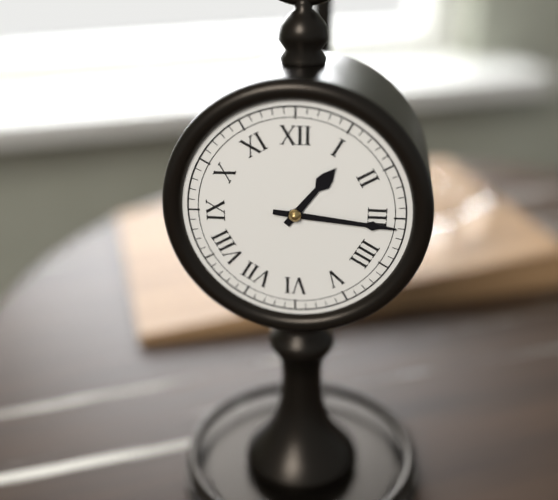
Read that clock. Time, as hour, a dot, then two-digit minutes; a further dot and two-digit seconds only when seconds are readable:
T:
1.16
